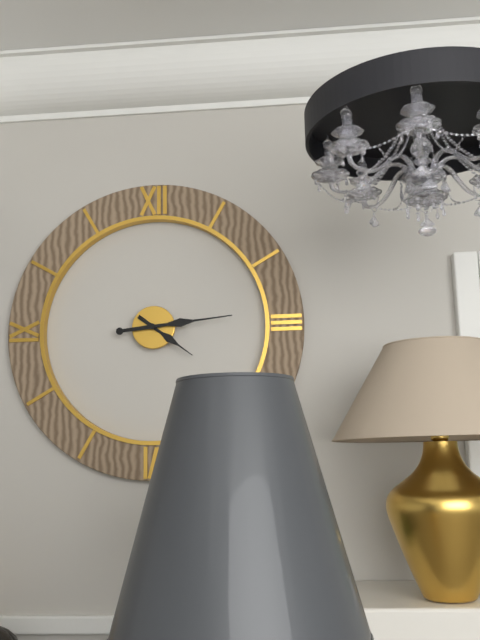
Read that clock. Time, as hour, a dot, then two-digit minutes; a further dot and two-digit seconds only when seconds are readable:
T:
4.14
